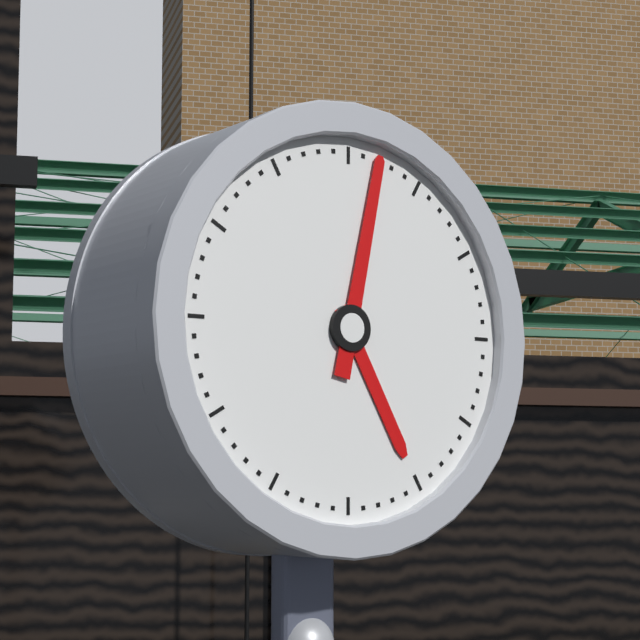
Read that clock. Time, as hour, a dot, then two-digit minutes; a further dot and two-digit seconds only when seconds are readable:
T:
5.02
